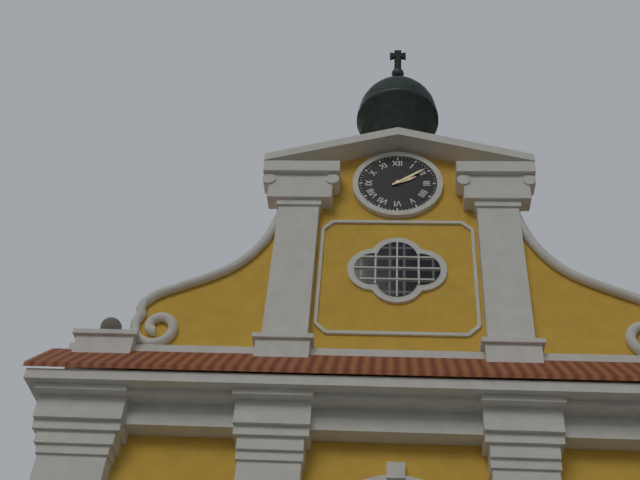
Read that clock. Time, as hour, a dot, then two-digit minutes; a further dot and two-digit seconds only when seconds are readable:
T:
2.09
